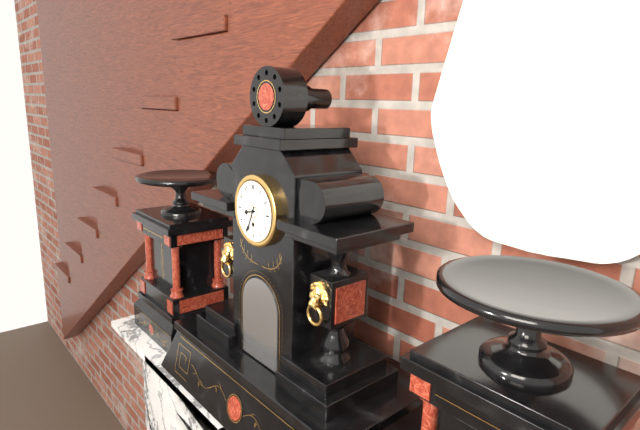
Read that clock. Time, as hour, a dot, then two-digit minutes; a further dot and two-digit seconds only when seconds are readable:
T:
8.34
